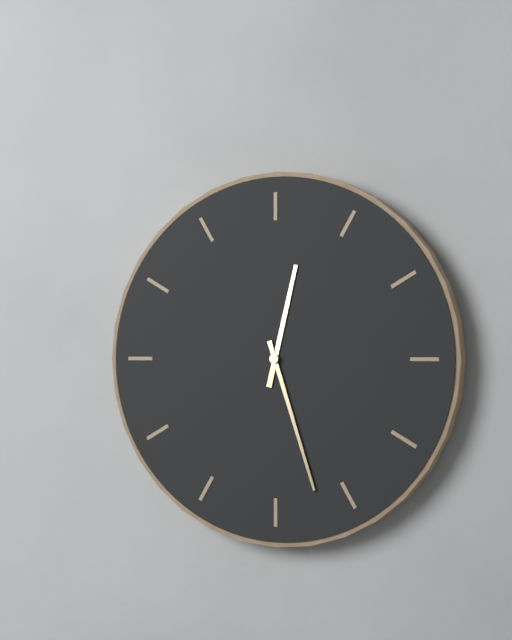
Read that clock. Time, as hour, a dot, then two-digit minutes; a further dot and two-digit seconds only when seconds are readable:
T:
12.27
